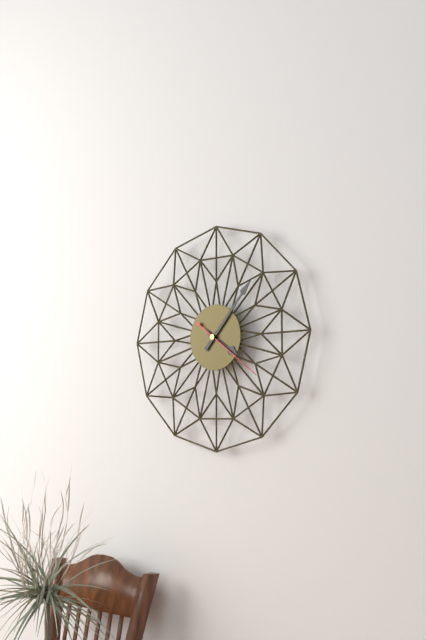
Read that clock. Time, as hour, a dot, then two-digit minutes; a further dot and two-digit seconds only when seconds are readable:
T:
4.07.21
